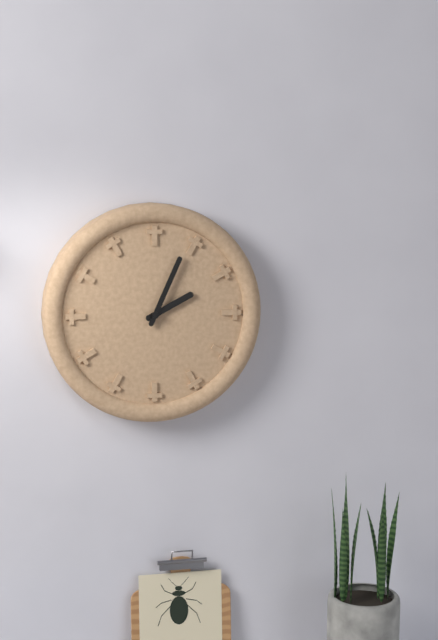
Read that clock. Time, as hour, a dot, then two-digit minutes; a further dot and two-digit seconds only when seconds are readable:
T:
2.04
